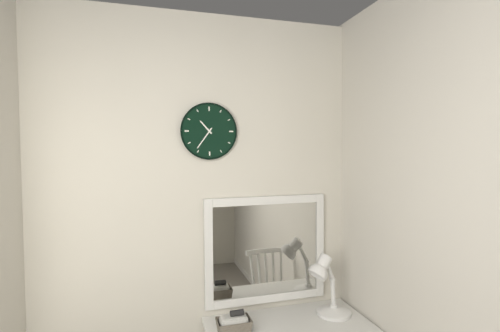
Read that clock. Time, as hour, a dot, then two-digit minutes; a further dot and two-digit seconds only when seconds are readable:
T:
10.36
